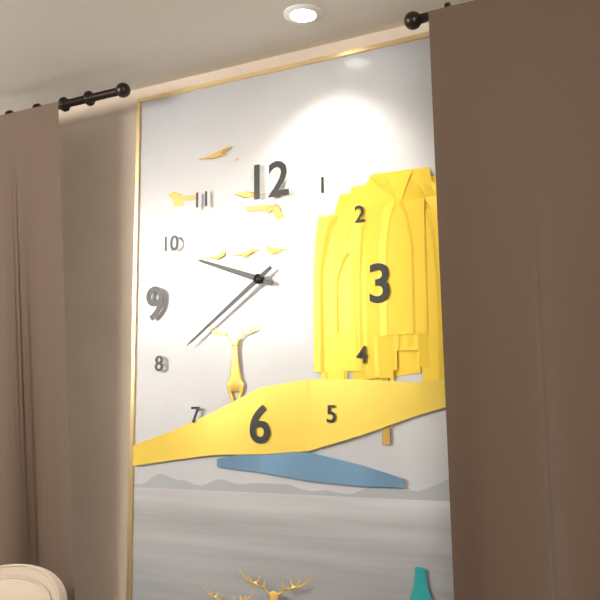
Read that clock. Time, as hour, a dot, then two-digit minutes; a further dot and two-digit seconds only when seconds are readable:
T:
9.39
